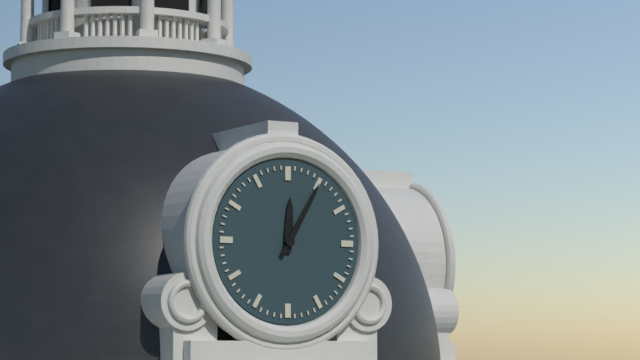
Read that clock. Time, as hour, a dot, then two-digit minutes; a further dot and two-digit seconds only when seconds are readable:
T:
12.05
